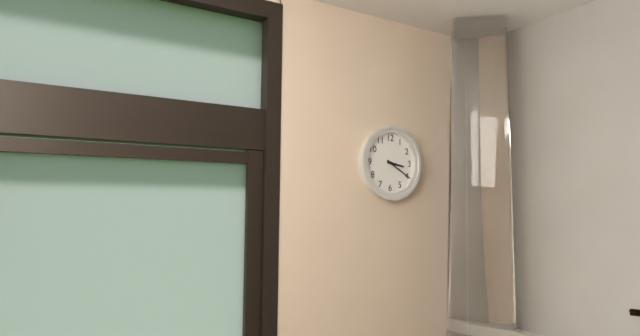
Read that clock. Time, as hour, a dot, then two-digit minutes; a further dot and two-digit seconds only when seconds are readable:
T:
3.20
